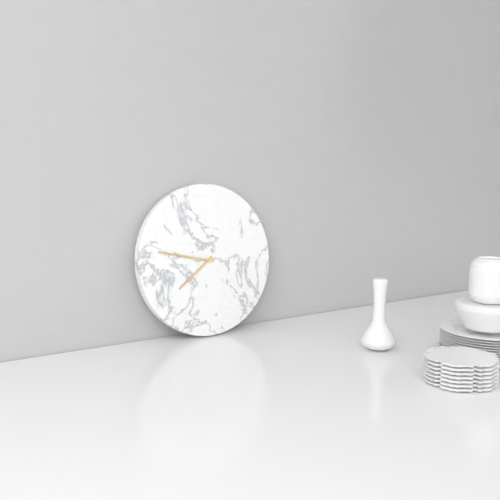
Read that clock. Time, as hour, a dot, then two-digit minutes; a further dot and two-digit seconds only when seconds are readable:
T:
7.47
